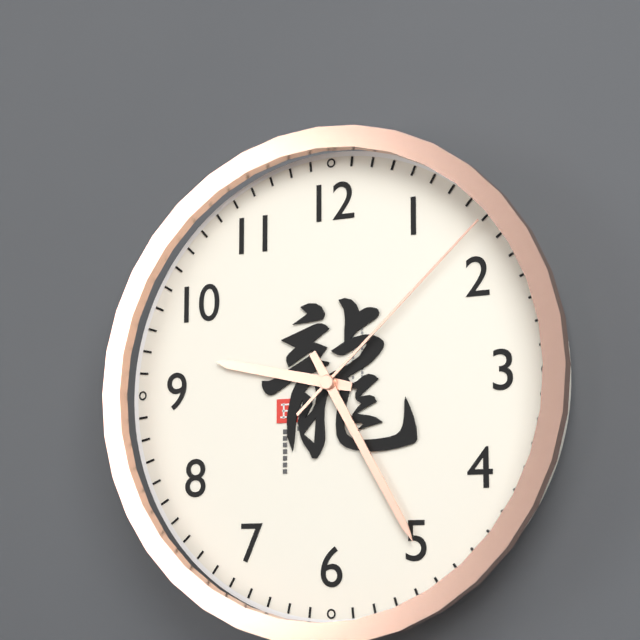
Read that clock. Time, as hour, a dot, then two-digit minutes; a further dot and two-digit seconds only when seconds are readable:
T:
9.25.08
